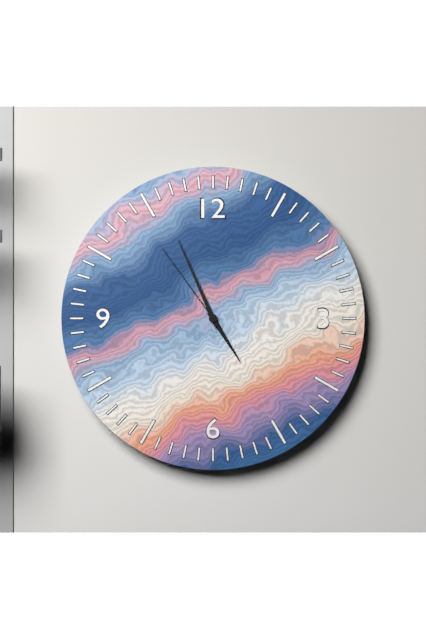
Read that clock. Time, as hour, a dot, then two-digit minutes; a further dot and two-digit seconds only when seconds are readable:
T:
4.56.54
